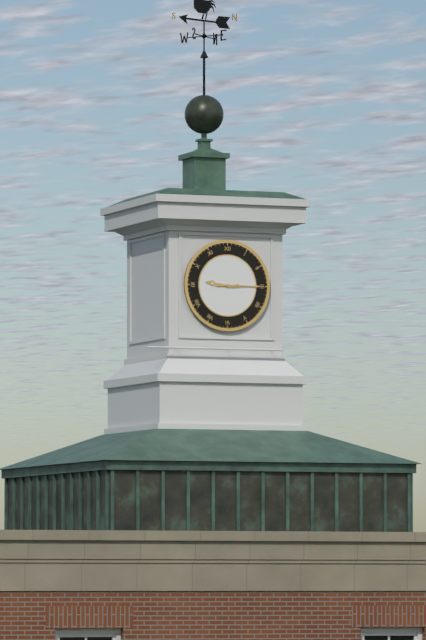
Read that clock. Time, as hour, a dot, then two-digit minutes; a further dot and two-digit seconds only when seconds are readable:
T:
9.15
